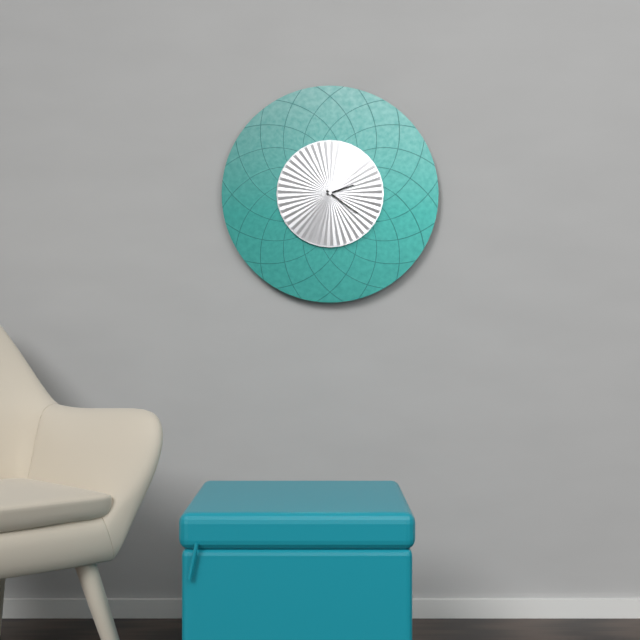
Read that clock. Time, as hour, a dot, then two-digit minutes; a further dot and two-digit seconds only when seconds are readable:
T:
2.21
